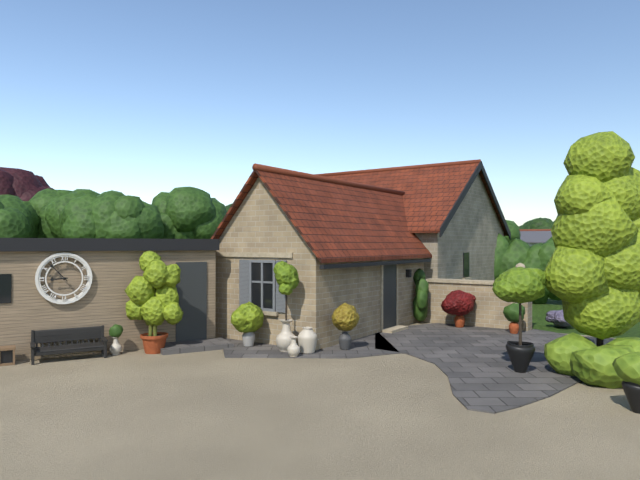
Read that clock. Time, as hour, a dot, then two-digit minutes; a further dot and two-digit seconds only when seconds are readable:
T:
8.53
